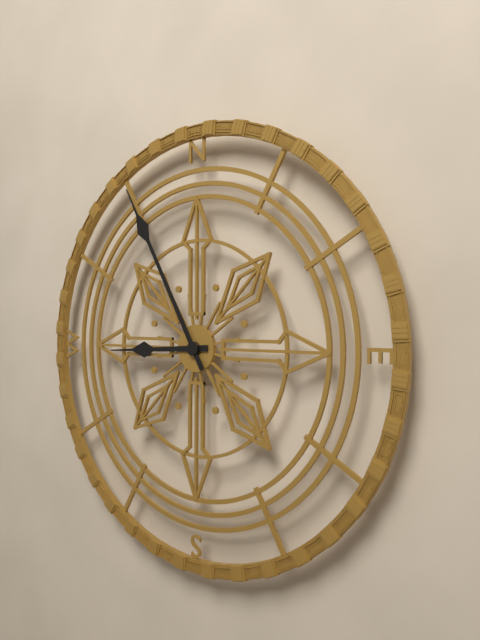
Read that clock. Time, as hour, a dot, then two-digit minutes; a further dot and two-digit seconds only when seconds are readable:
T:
8.55
